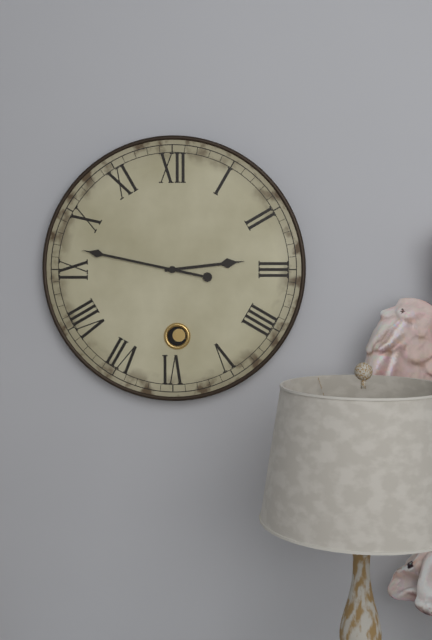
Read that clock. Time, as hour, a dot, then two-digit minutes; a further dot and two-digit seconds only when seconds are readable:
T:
2.47
